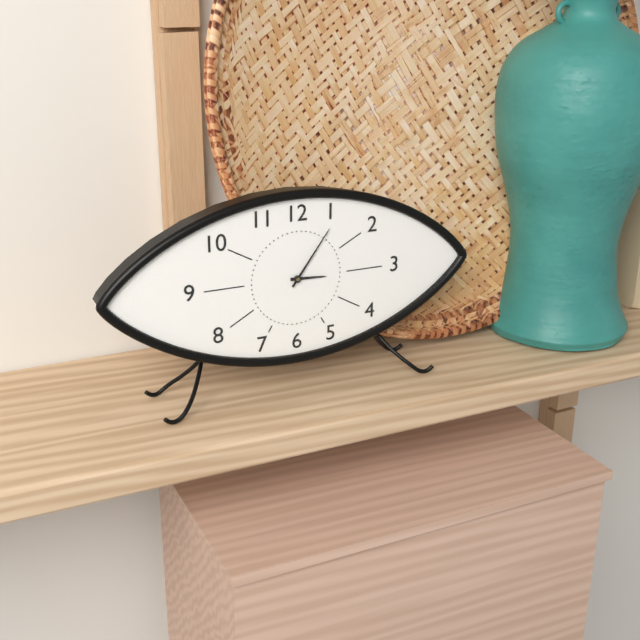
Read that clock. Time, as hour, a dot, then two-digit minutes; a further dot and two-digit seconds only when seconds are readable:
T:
3.06
